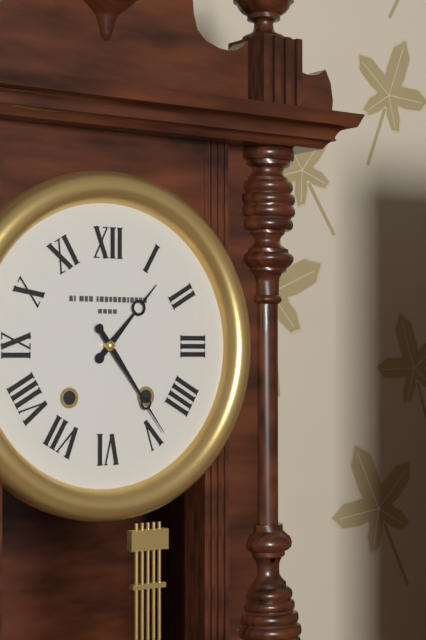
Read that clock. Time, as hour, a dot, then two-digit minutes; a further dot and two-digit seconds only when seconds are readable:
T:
1.24
